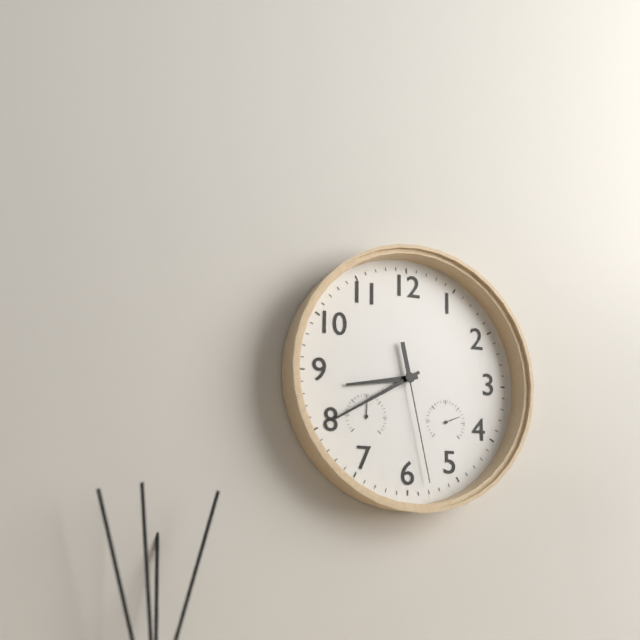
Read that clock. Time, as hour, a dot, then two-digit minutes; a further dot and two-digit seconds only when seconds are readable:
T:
8.40.28
